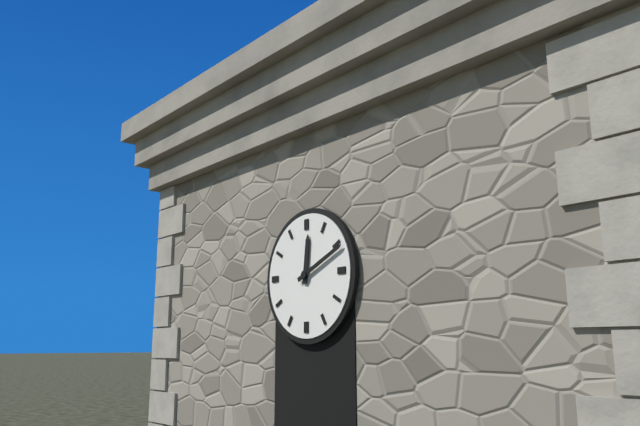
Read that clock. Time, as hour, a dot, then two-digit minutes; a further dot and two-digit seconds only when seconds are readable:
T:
12.11
